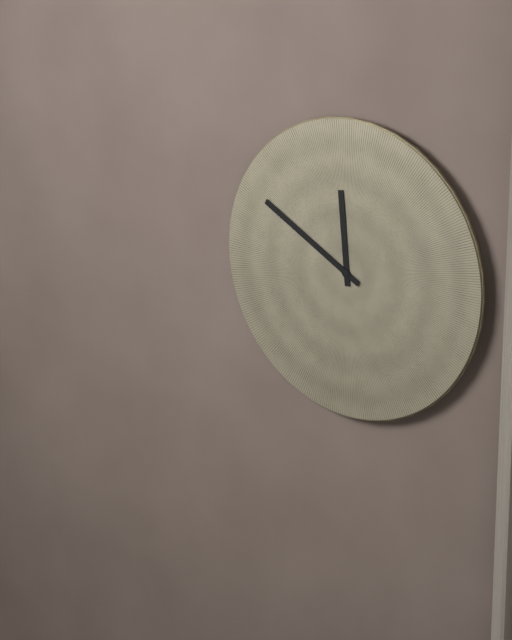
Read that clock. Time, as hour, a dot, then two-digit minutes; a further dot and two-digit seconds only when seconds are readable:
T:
11.50
